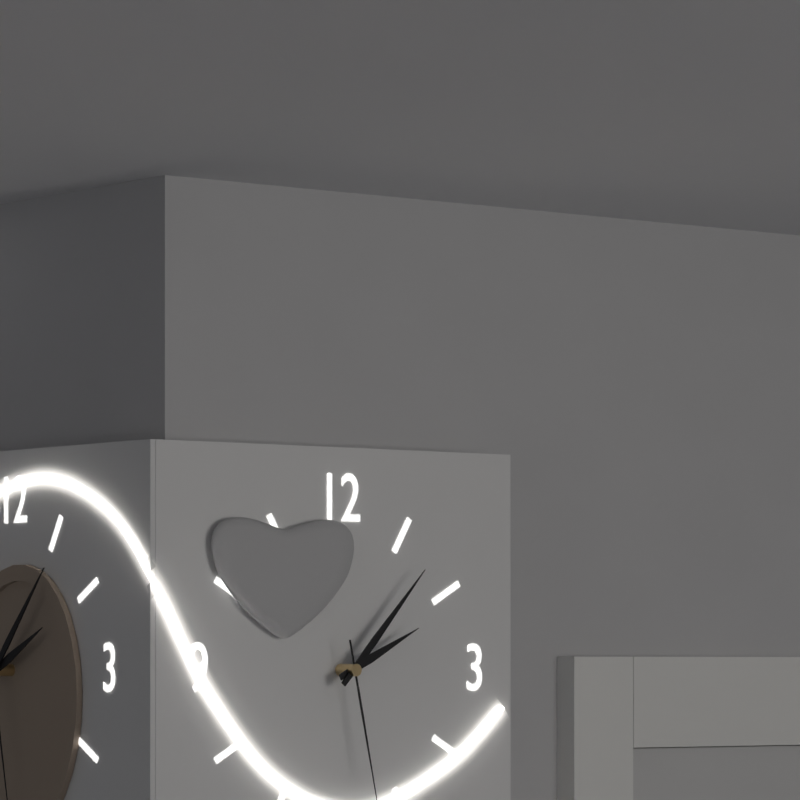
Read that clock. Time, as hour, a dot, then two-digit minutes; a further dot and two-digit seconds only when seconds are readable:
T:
2.07
